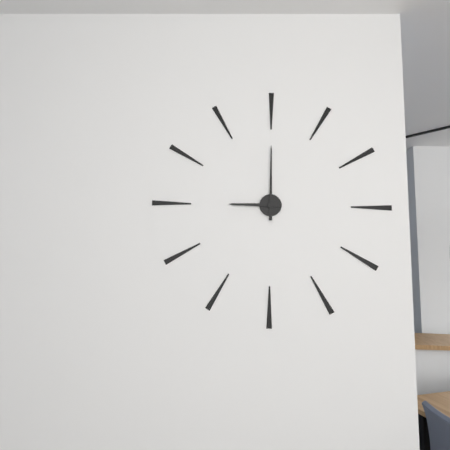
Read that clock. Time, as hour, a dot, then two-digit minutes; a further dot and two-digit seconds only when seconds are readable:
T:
9.00
